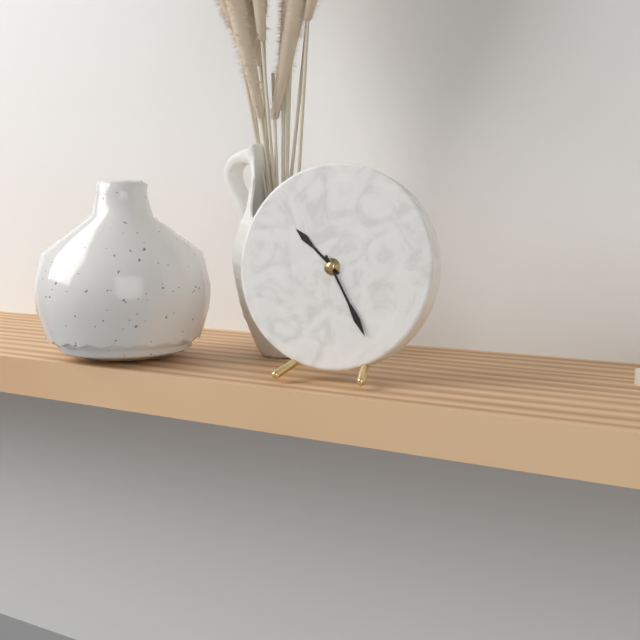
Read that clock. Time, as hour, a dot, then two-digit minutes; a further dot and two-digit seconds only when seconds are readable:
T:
10.25
